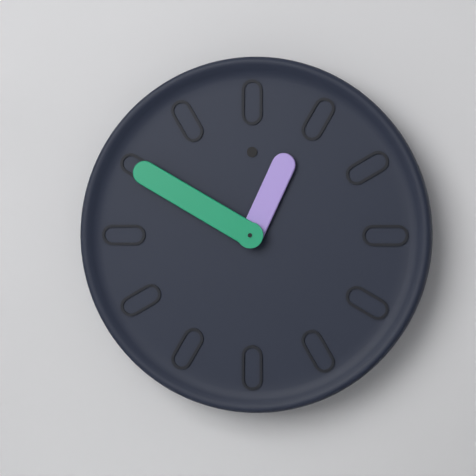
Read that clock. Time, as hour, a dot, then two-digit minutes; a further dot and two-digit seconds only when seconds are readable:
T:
12.50
